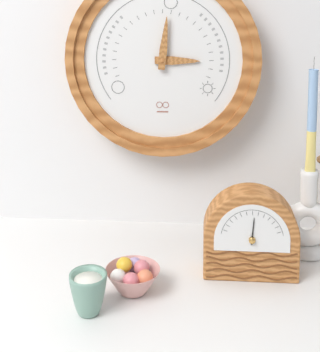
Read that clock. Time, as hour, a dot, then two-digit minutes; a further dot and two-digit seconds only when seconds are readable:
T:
3.01
